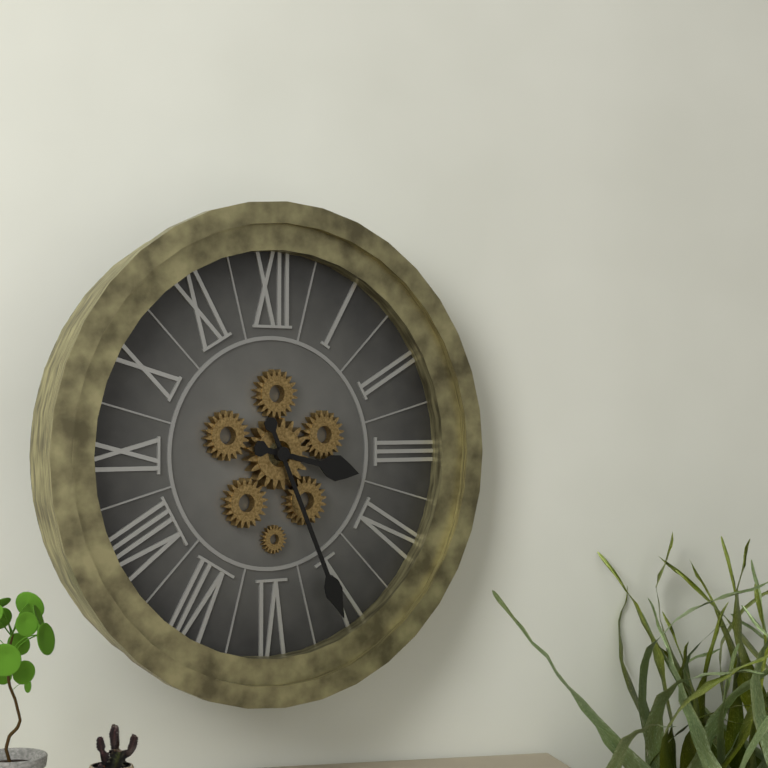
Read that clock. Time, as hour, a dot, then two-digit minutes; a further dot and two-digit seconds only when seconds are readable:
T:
3.26
